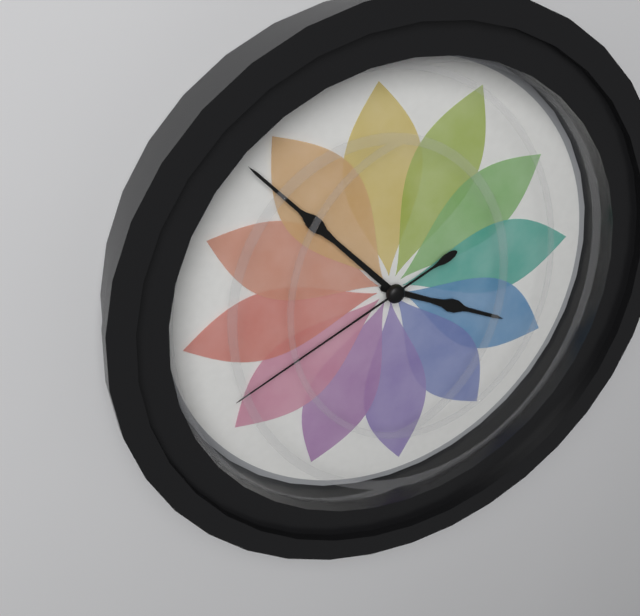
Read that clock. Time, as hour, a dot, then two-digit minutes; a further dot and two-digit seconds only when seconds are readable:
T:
3.53.41
